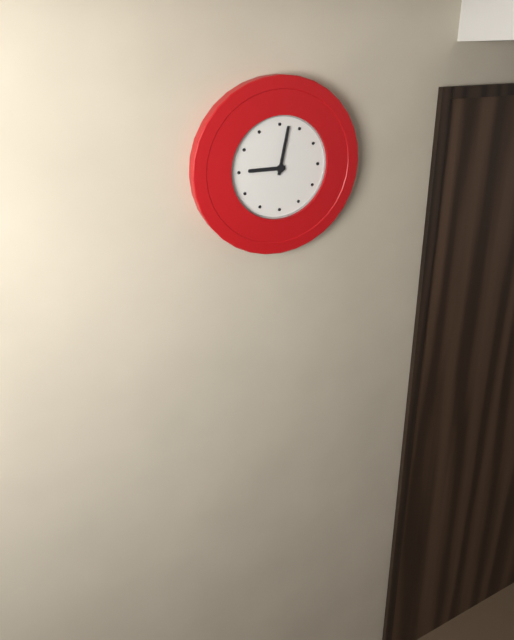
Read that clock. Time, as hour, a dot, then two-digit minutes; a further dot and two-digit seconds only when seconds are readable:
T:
9.02
